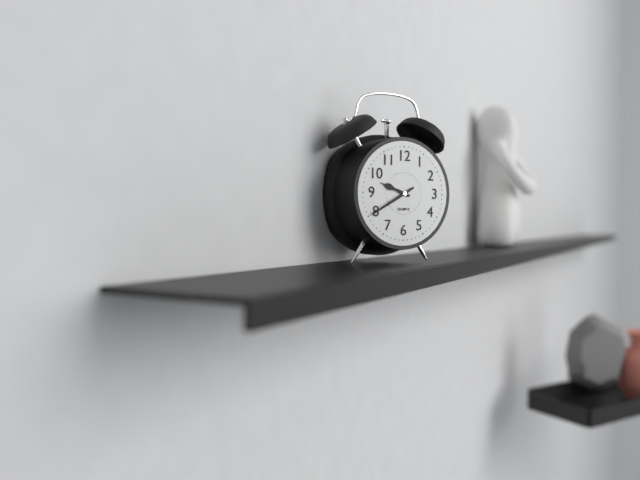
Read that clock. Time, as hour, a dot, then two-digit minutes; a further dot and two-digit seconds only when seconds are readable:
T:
9.40
